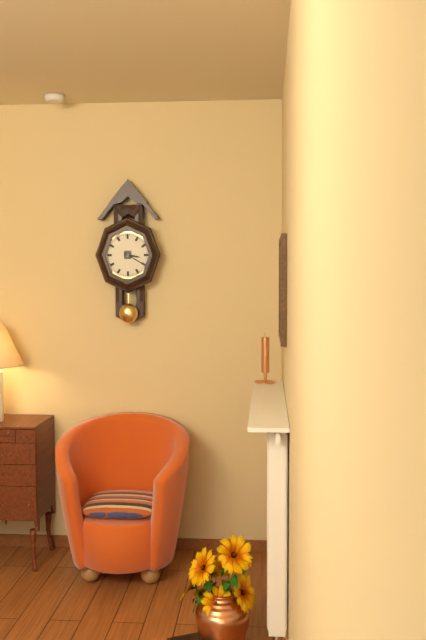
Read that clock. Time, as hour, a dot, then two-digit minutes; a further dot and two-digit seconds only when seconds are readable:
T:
3.20
